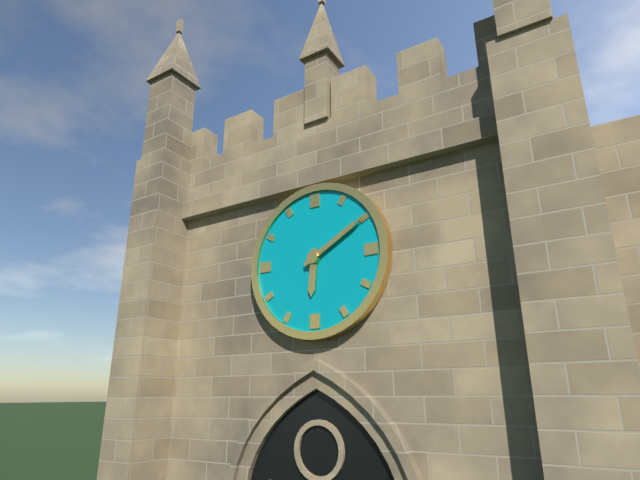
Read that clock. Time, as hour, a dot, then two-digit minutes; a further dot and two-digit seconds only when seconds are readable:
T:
6.10
